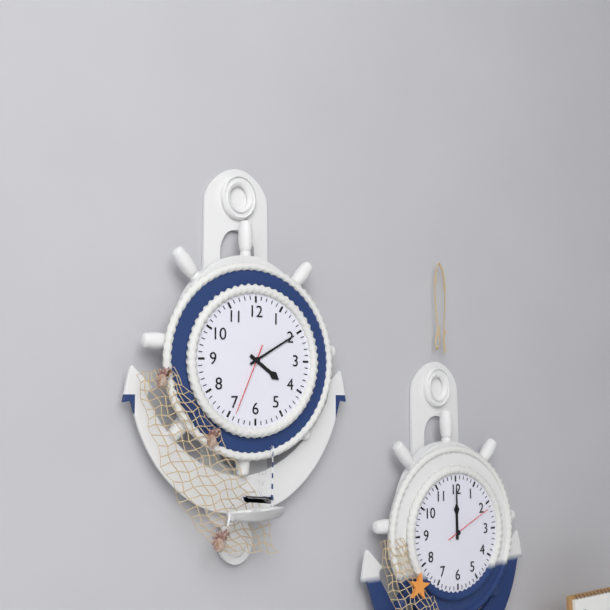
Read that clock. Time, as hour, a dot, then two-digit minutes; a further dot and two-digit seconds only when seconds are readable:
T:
4.10.34
